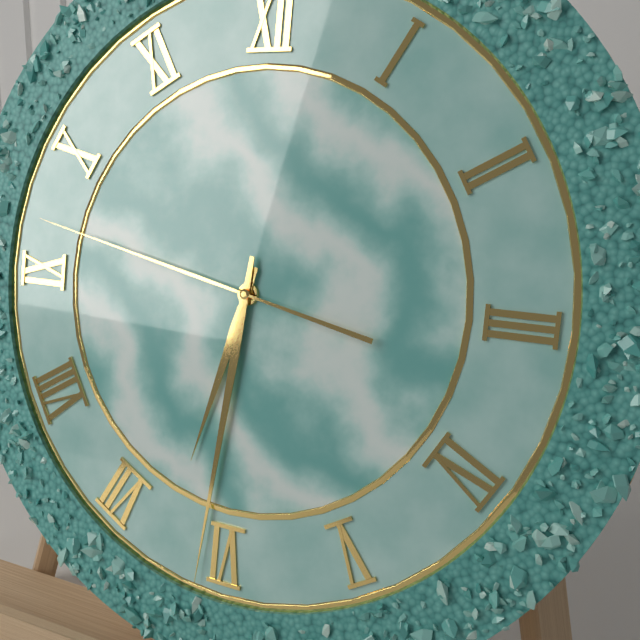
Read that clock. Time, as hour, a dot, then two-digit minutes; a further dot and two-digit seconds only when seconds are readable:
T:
6.31.47
